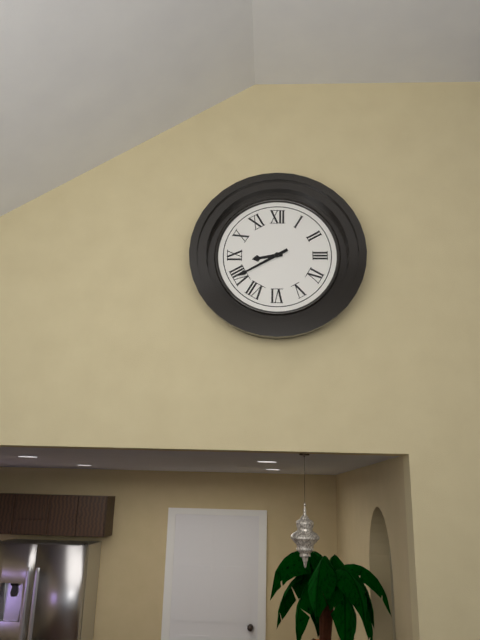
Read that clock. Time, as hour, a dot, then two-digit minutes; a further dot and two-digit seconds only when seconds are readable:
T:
8.40
